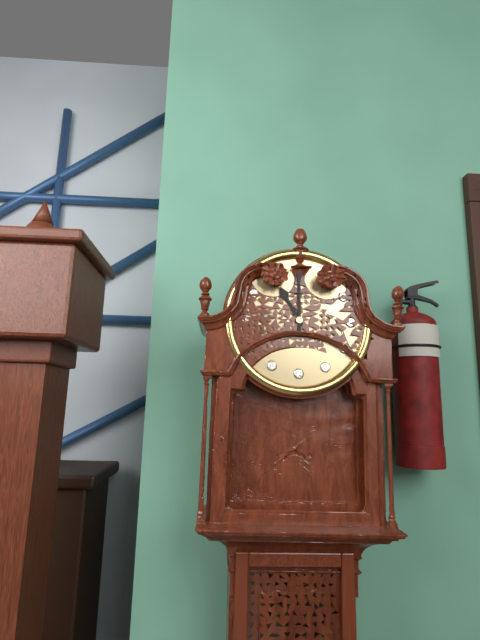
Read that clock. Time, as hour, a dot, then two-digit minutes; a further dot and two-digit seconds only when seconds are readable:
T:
11.00
